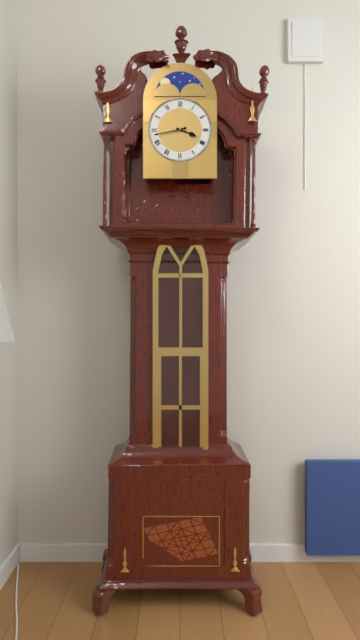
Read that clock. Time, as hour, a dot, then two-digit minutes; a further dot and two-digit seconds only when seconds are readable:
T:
3.43
